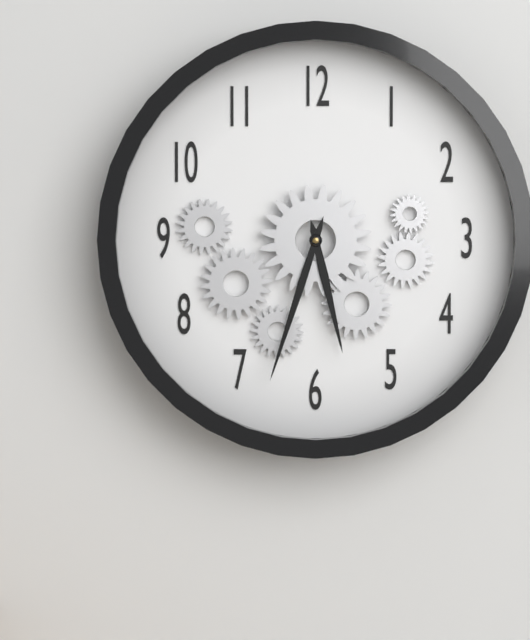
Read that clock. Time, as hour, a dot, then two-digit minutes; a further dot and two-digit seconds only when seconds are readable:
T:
5.33
